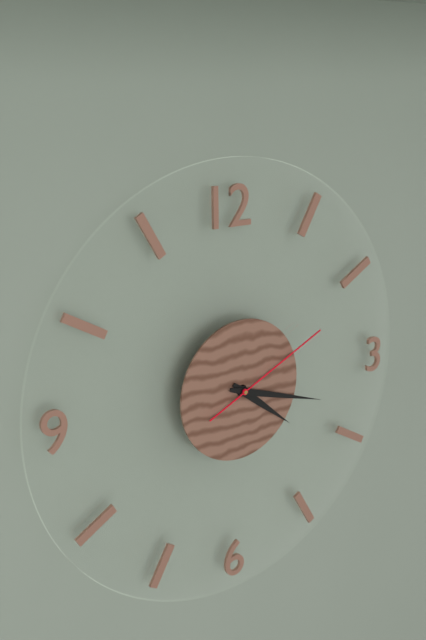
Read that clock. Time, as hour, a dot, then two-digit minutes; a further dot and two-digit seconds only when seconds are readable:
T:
4.18.11
